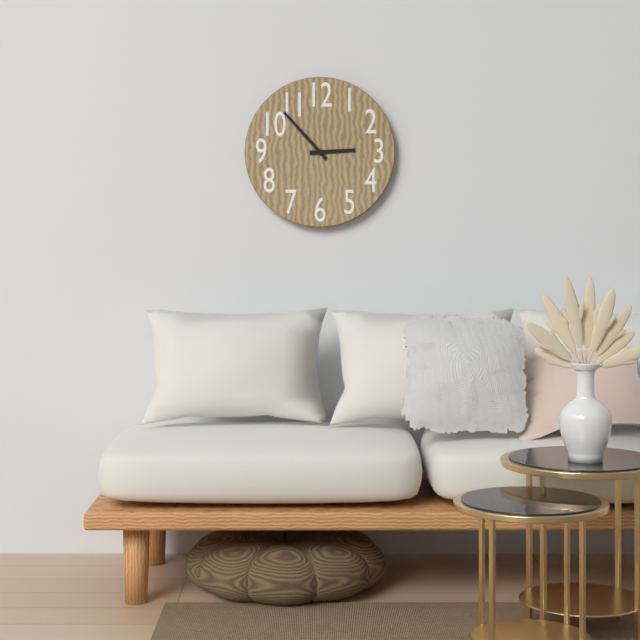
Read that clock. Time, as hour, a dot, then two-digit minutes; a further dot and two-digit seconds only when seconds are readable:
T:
2.53
